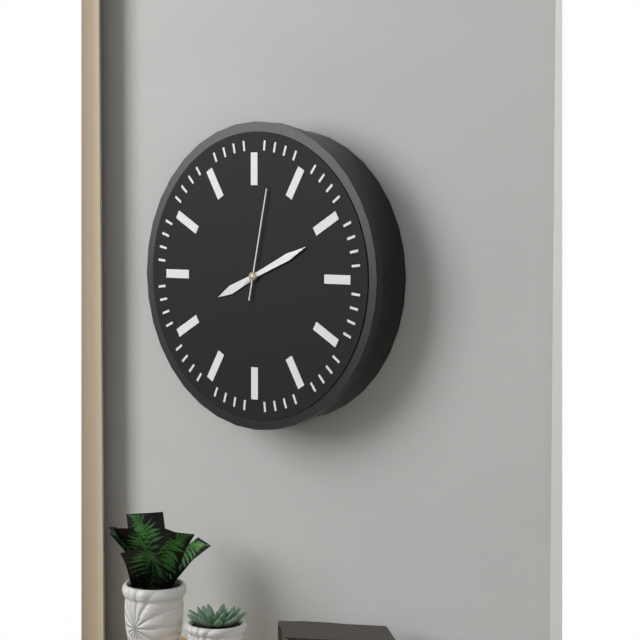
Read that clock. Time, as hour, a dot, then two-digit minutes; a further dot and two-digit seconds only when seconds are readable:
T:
8.11.02
